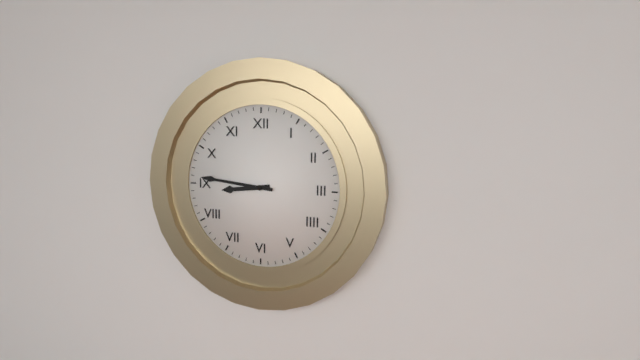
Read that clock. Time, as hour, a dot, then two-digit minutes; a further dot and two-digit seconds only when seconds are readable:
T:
8.46
